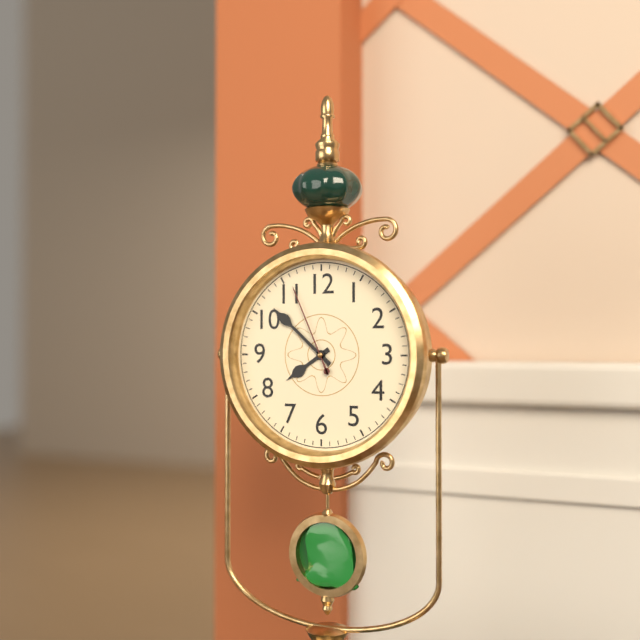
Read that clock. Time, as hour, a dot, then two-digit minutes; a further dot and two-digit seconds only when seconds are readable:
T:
7.52.56
